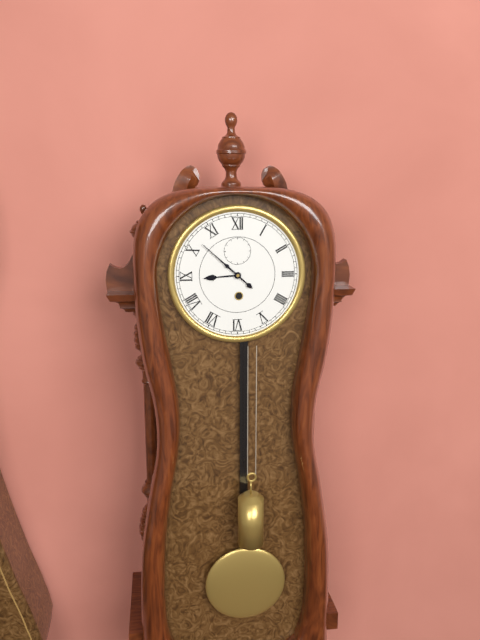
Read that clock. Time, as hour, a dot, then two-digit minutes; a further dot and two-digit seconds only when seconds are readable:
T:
8.52
